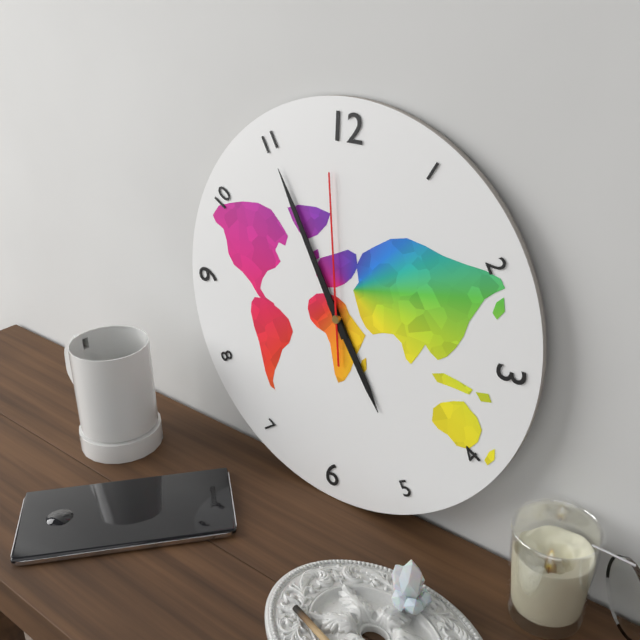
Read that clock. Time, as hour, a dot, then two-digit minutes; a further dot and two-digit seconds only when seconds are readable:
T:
4.55.59
